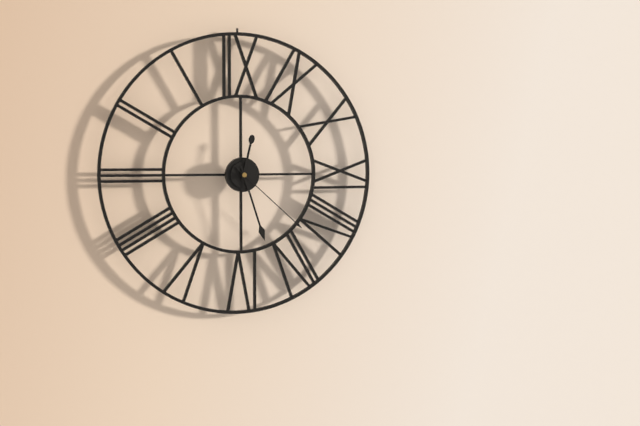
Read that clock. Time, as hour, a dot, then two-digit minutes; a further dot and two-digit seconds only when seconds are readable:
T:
12.27.22
